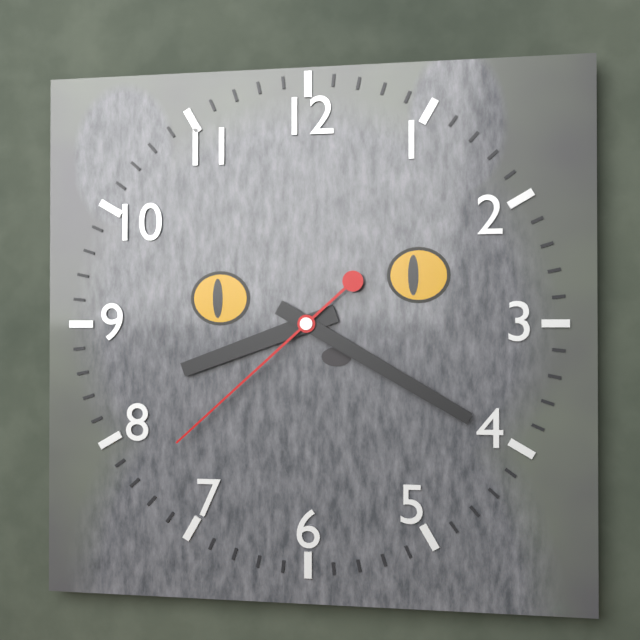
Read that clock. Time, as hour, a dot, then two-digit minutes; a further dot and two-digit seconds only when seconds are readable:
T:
8.20.38
